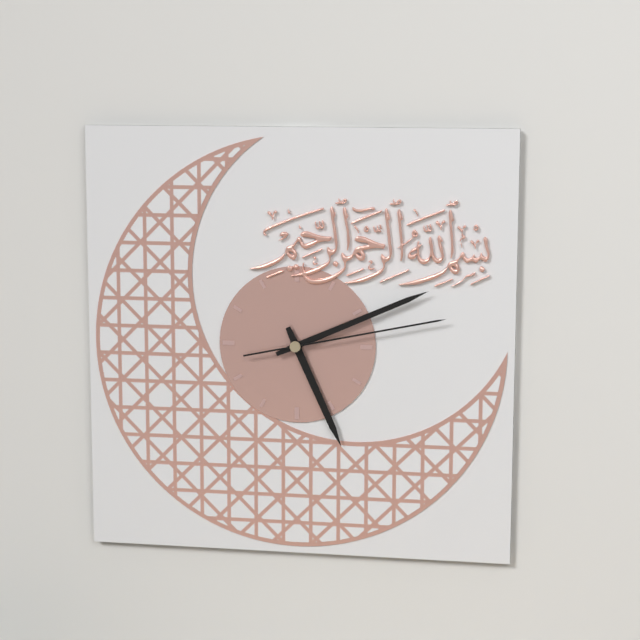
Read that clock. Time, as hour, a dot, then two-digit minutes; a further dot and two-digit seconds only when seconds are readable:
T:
5.11.13
